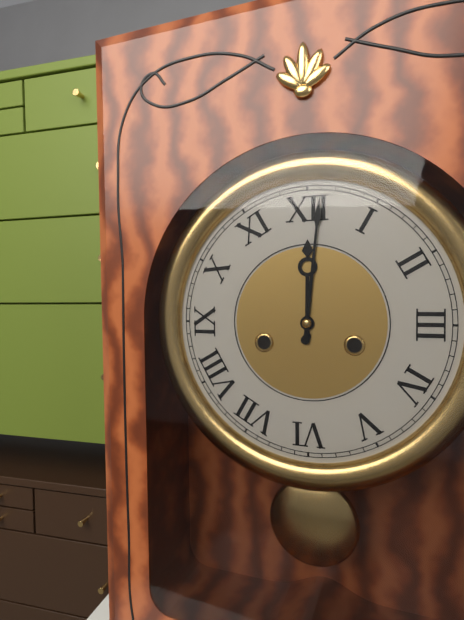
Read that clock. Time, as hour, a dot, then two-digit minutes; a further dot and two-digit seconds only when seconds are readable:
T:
12.01
